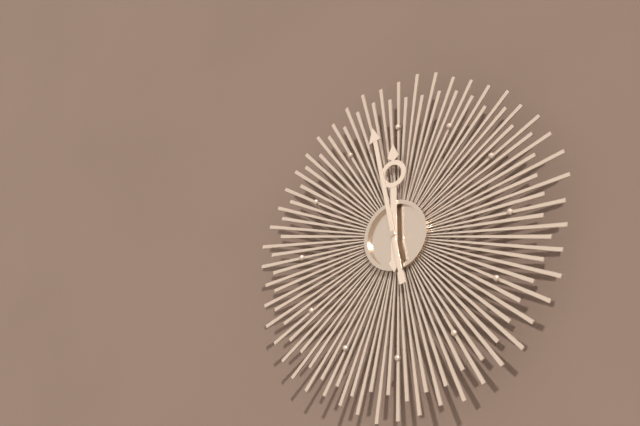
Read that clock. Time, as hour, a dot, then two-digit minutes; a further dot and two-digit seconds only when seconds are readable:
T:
11.58
